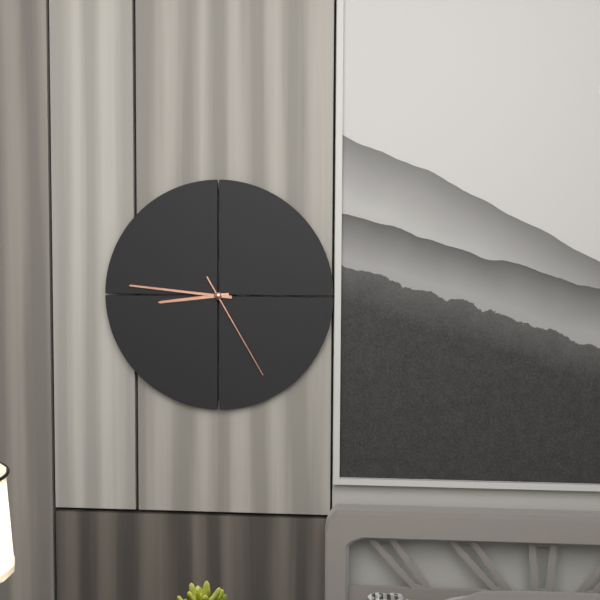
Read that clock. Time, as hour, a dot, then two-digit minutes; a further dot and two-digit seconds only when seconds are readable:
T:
8.46.25
